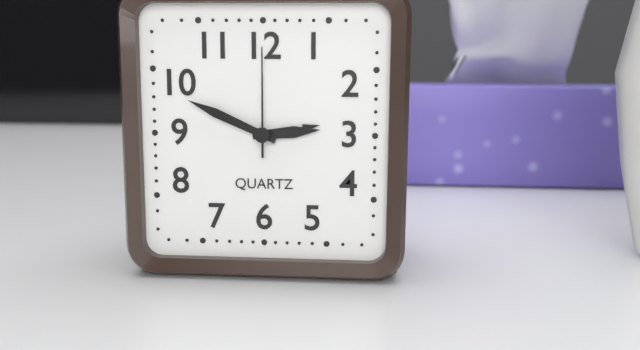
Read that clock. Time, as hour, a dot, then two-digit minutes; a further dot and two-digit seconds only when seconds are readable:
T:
2.49.00
